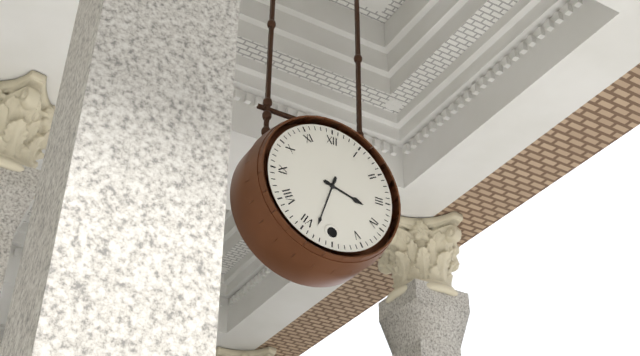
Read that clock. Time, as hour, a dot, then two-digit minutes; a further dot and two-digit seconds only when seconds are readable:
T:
3.33
